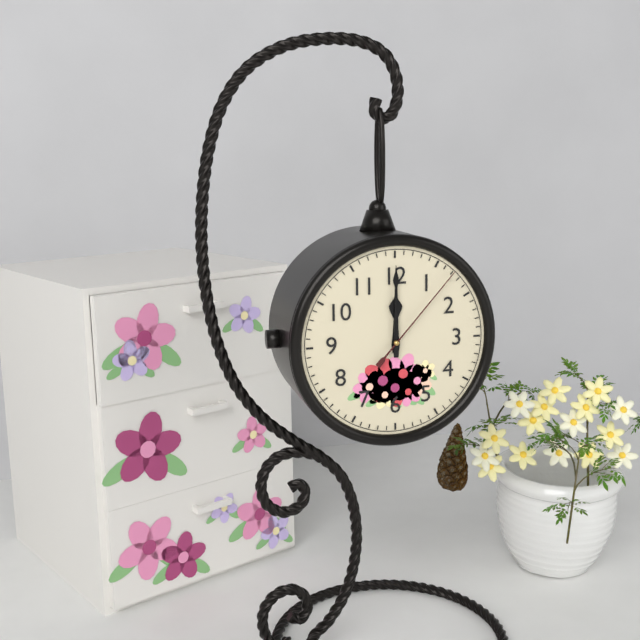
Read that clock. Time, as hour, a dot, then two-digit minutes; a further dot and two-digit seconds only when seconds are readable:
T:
12.00.07
